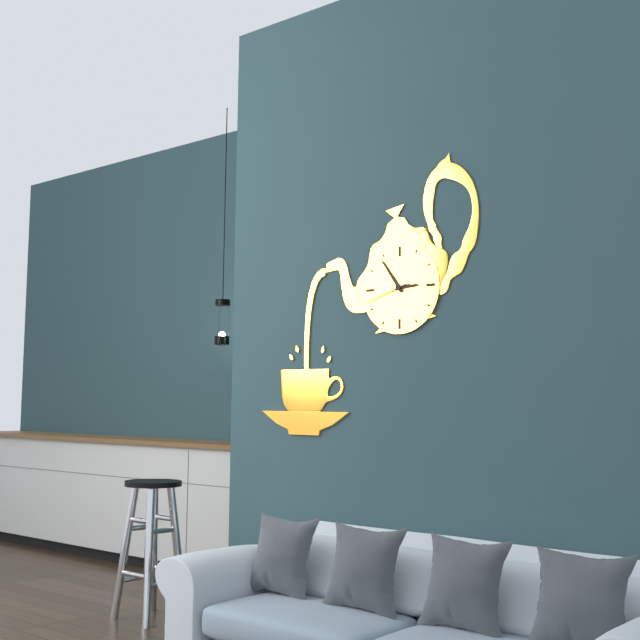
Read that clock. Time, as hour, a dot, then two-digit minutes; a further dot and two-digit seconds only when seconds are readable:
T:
2.54
